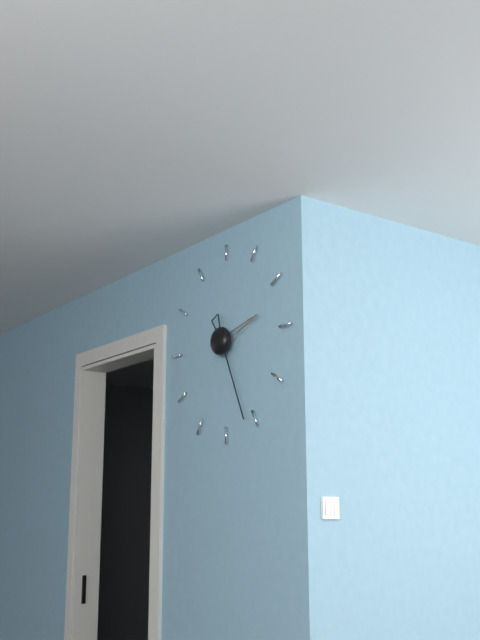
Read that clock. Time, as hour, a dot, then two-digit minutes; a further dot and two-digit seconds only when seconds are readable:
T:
2.26
